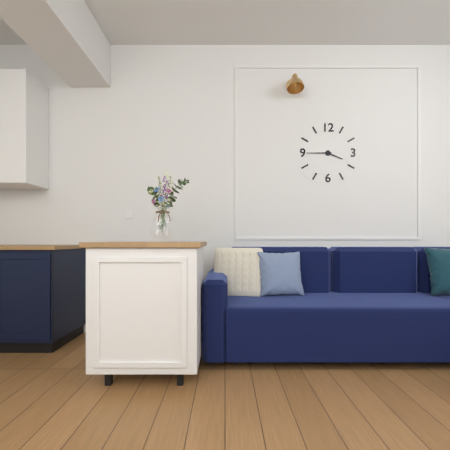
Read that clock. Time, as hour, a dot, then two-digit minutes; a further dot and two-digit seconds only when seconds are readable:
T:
3.45
